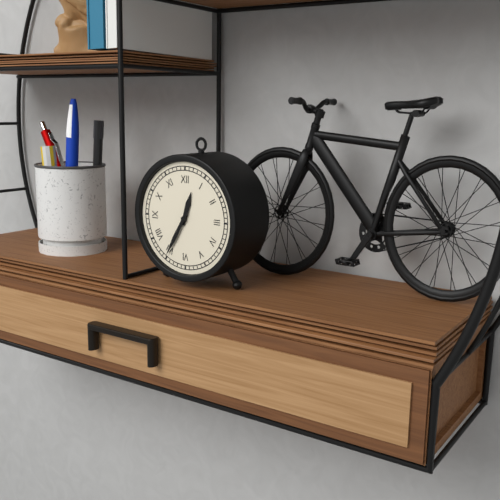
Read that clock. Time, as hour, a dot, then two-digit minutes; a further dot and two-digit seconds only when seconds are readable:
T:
12.35
